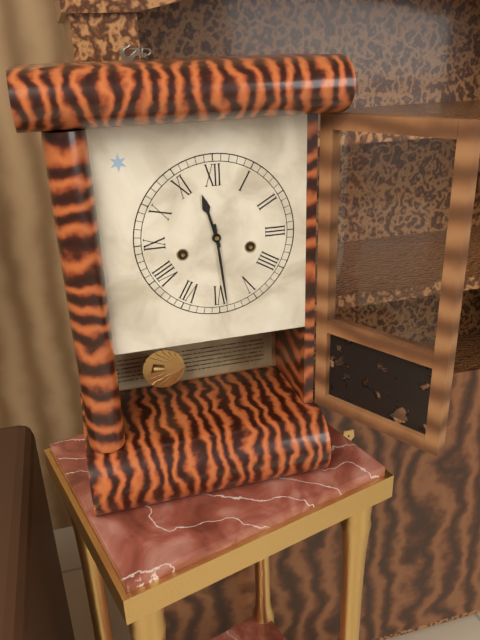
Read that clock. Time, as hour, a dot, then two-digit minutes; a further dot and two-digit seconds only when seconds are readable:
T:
11.29
